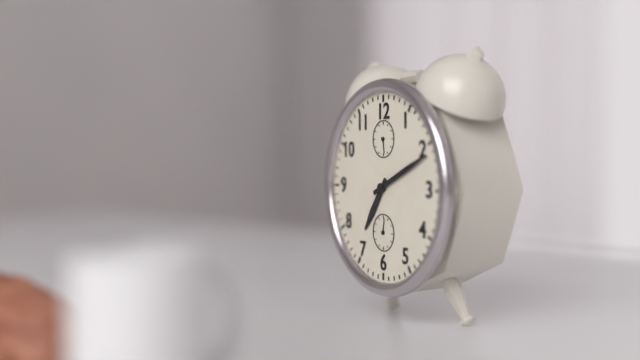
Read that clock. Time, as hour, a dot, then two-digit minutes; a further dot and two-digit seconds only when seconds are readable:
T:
7.11
